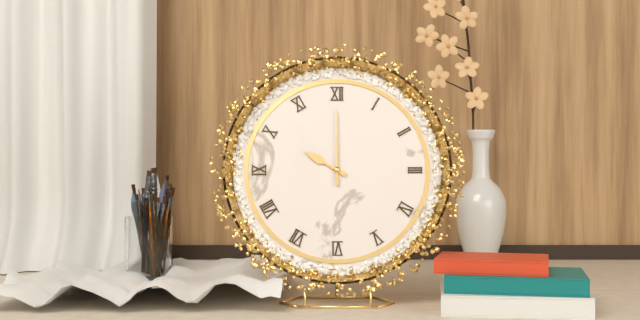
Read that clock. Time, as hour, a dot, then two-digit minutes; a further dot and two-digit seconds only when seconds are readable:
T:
10.00
